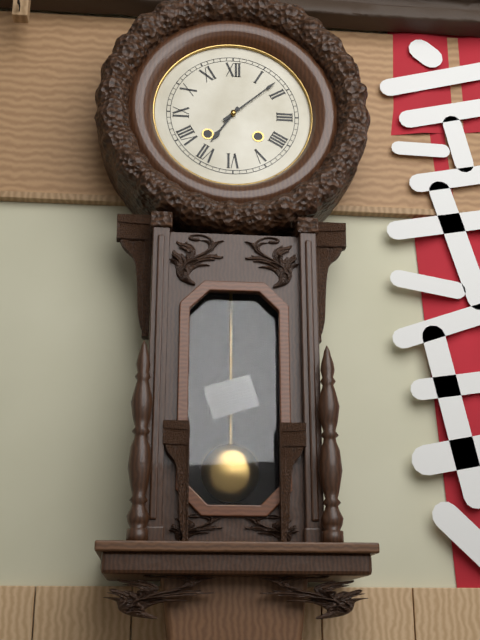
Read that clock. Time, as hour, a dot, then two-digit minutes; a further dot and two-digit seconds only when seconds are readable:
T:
7.08
